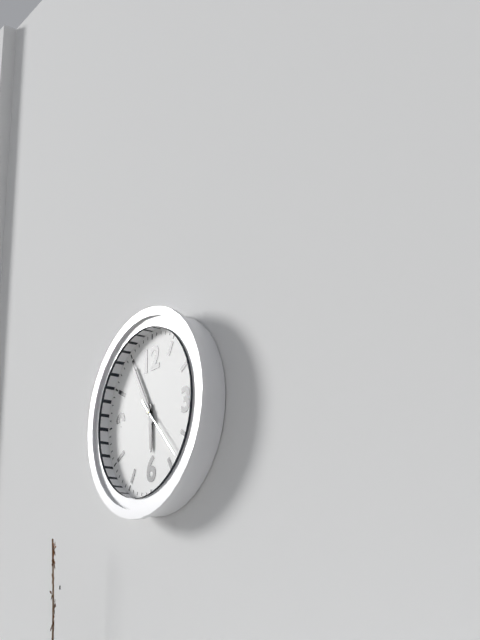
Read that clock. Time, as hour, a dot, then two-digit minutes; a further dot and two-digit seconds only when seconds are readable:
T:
5.55.23
